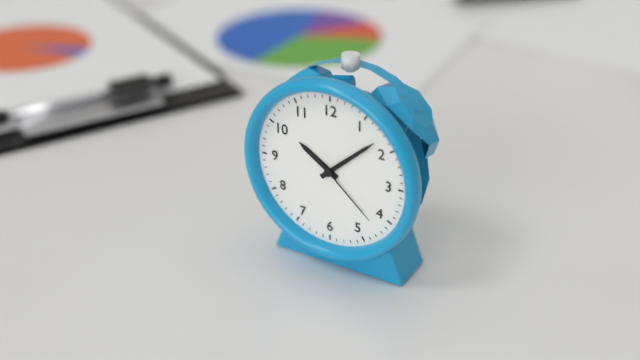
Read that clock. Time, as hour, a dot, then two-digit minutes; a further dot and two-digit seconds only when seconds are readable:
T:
10.08.22
